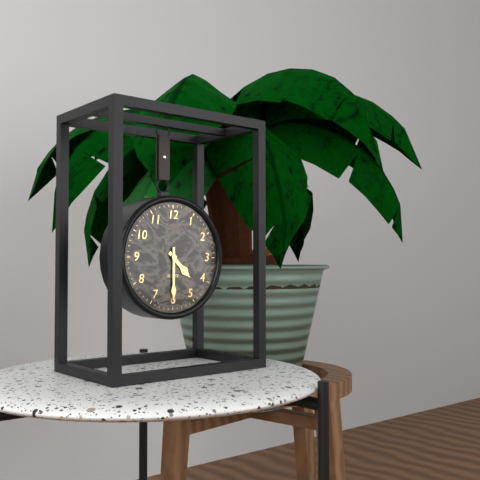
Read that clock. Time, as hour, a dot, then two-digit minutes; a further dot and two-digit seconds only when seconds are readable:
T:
4.30
